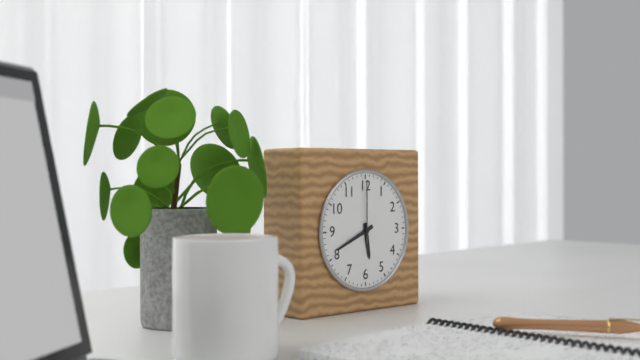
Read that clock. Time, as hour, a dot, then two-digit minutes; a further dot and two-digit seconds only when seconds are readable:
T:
5.41.00
